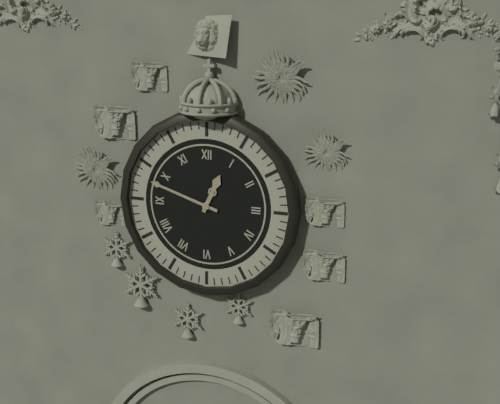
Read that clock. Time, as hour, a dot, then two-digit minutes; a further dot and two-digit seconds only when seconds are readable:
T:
12.48
